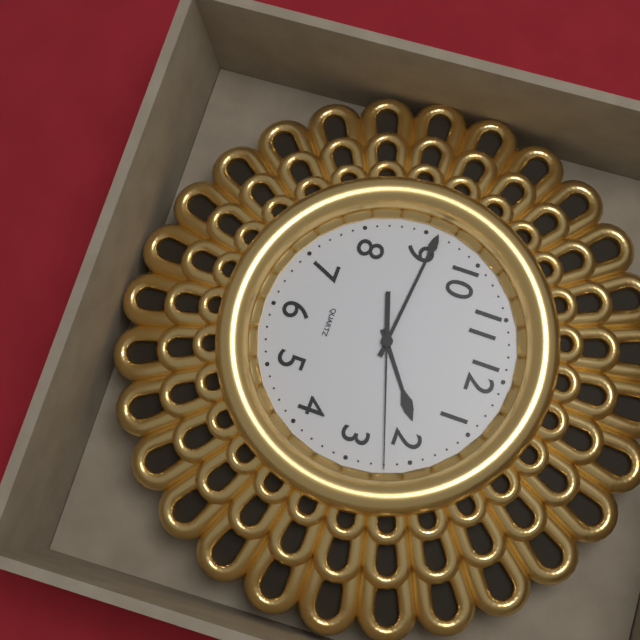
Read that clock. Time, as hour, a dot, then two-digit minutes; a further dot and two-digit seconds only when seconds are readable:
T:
1.46.12
